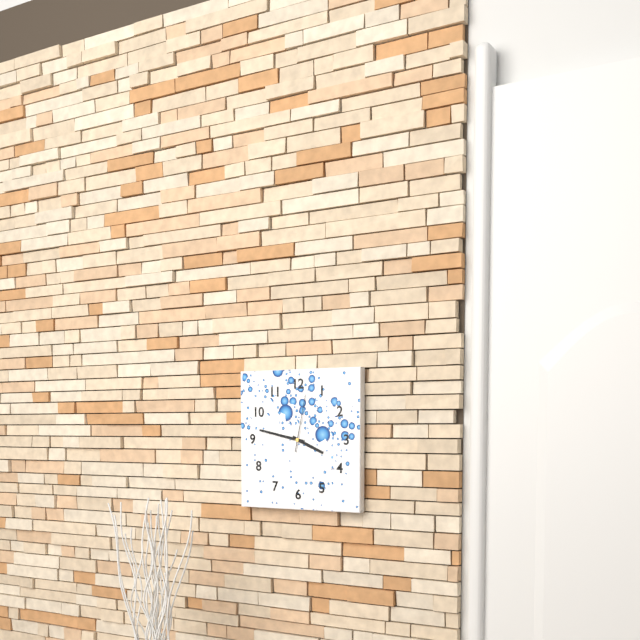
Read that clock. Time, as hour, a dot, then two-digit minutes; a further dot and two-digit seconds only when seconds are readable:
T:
3.47.02
